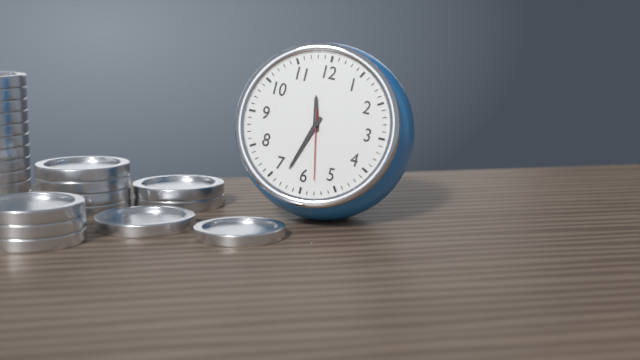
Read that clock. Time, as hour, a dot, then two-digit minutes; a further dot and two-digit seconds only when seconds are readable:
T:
11.33.28
